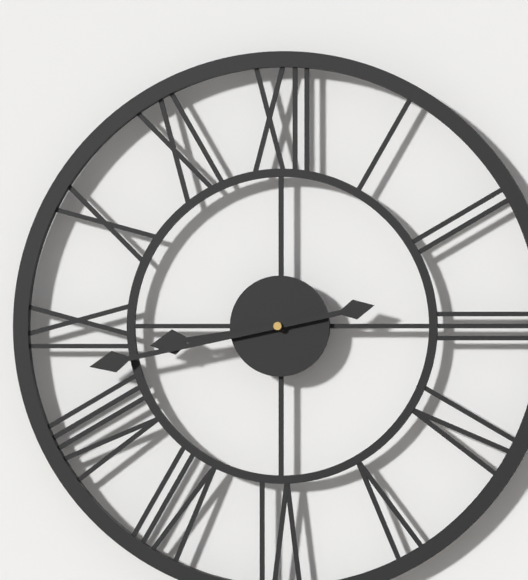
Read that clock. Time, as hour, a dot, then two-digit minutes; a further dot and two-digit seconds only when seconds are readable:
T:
8.43
